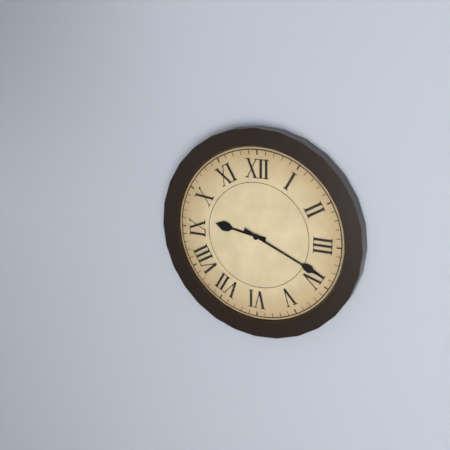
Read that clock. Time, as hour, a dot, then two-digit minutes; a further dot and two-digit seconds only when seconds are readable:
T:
9.19
